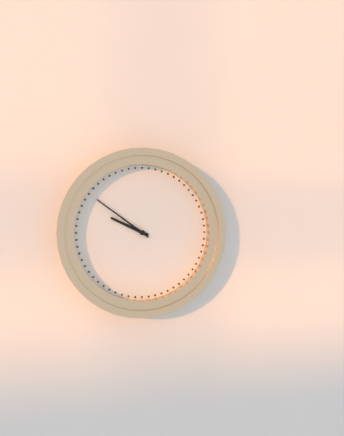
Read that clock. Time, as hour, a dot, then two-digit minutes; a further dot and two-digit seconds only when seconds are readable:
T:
9.51
